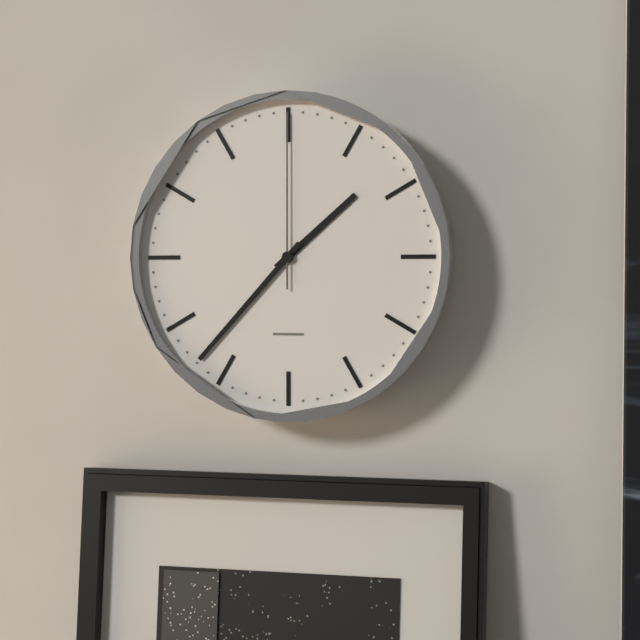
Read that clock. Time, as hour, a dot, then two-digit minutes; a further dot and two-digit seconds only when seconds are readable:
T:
1.37.00
